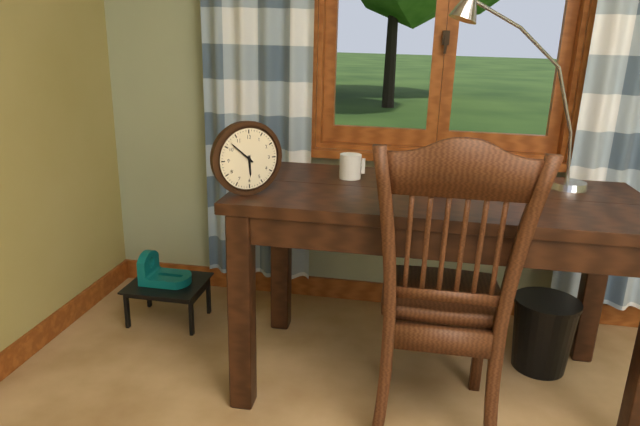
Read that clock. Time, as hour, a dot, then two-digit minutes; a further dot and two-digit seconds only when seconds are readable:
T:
5.52
